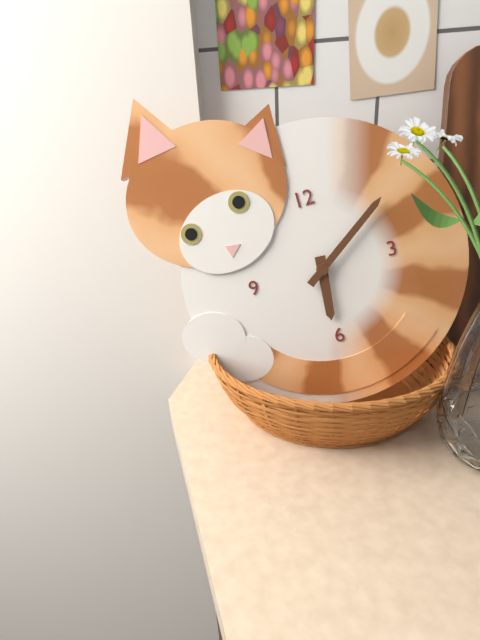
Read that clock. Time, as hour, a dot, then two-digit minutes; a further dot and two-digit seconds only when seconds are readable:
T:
6.09
